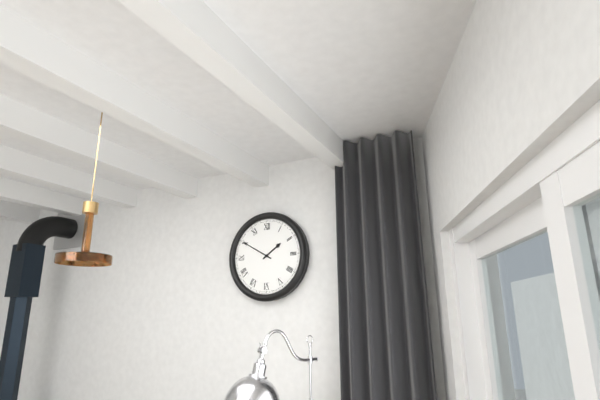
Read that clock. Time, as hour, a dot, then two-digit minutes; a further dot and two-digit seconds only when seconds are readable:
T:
1.50
